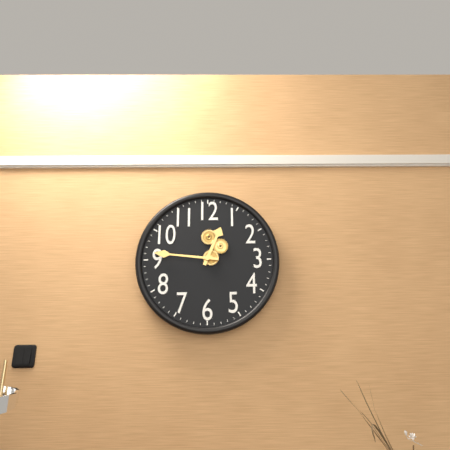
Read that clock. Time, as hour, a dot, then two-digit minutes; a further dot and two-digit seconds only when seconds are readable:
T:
12.46
